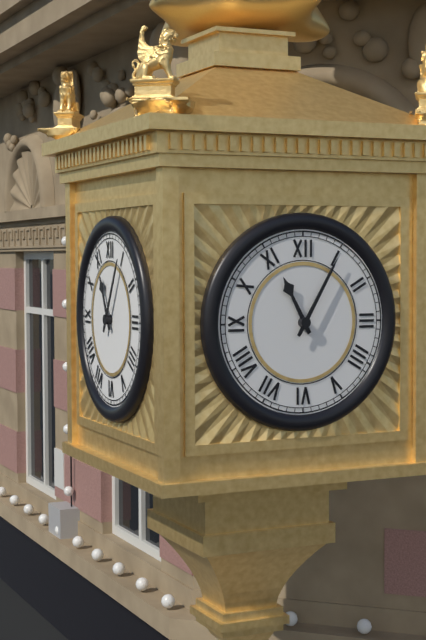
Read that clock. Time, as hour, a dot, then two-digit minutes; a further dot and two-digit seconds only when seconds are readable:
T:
11.05
